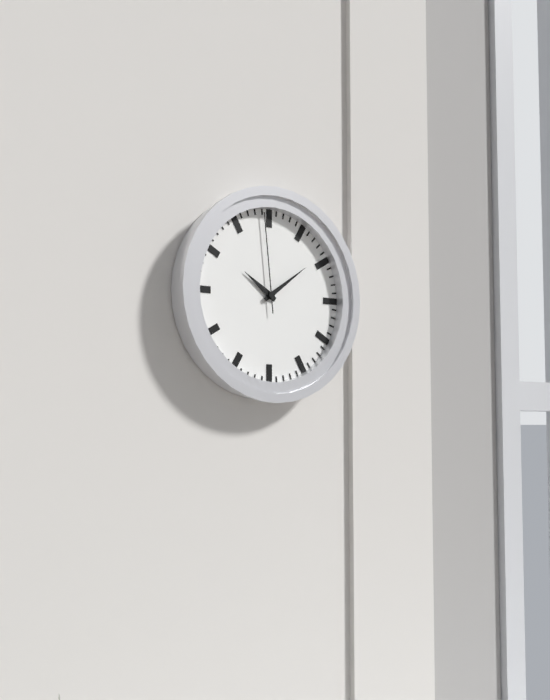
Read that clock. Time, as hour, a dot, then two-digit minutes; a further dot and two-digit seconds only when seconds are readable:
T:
10.09.59
